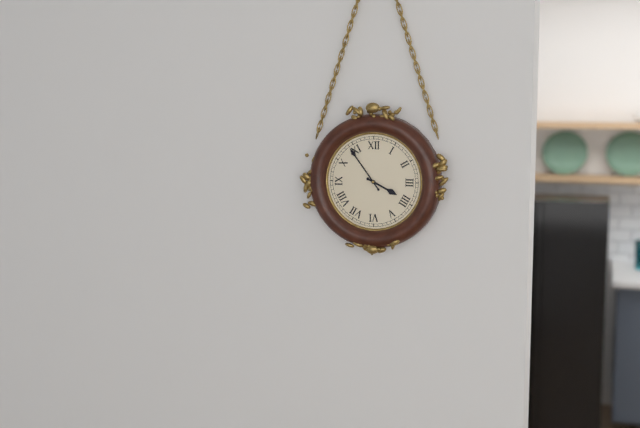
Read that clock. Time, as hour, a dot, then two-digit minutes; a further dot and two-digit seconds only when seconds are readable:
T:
3.54
